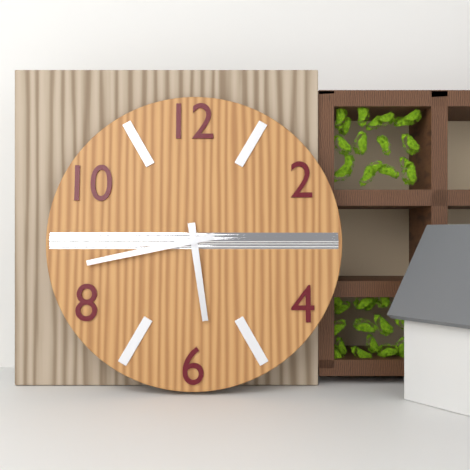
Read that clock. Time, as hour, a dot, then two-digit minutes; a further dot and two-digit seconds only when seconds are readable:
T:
5.43
